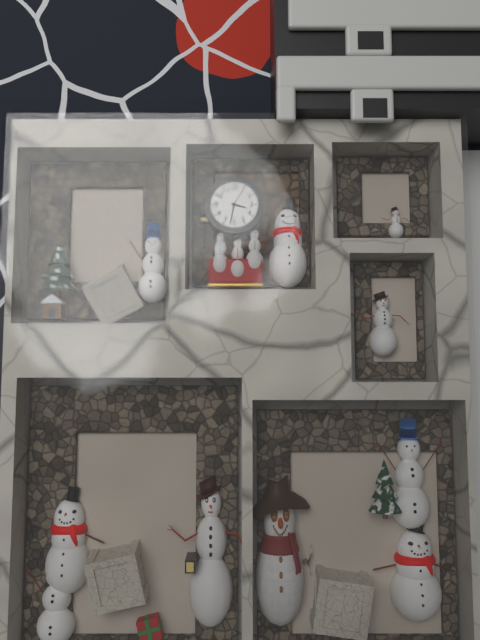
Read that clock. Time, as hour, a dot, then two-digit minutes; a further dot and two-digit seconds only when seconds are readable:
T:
3.32
